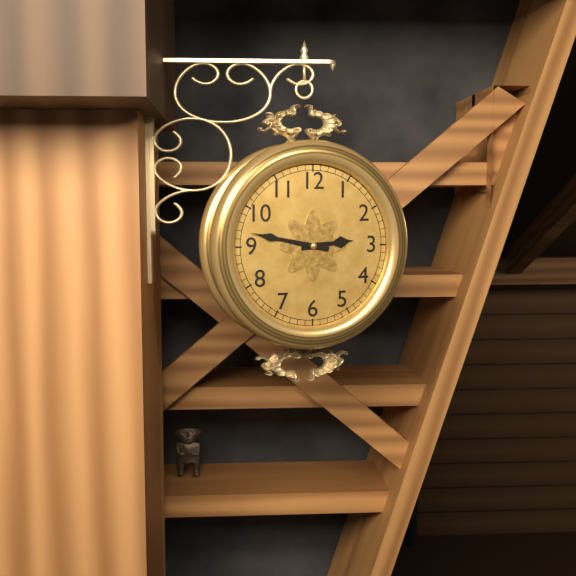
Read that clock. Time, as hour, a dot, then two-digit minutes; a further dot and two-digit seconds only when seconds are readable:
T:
2.47
